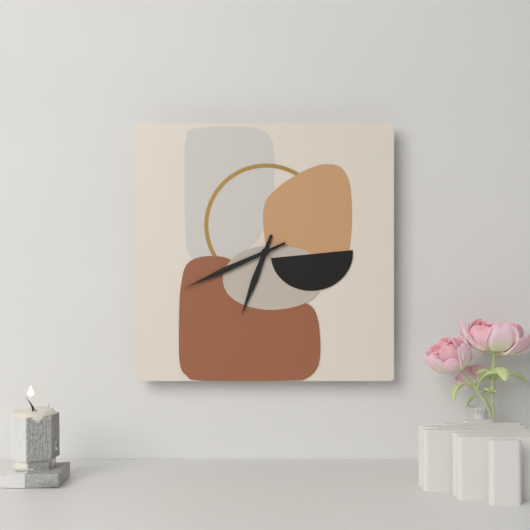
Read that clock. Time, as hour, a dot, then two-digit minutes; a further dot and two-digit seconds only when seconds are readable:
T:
6.41
